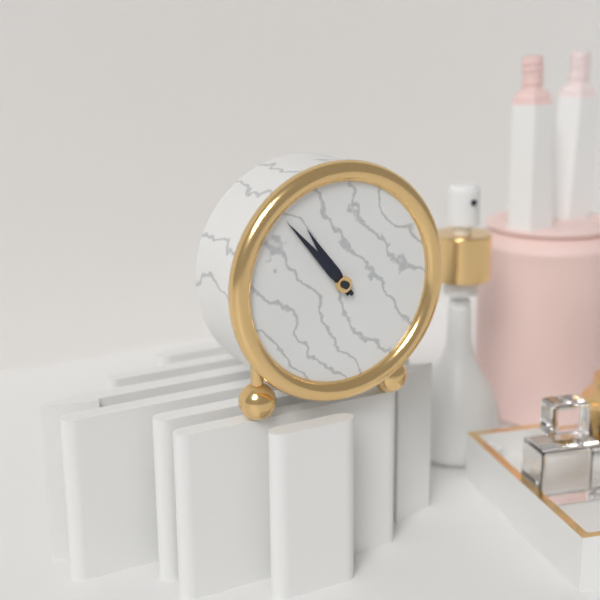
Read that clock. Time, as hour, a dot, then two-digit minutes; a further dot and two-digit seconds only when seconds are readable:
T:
10.53
